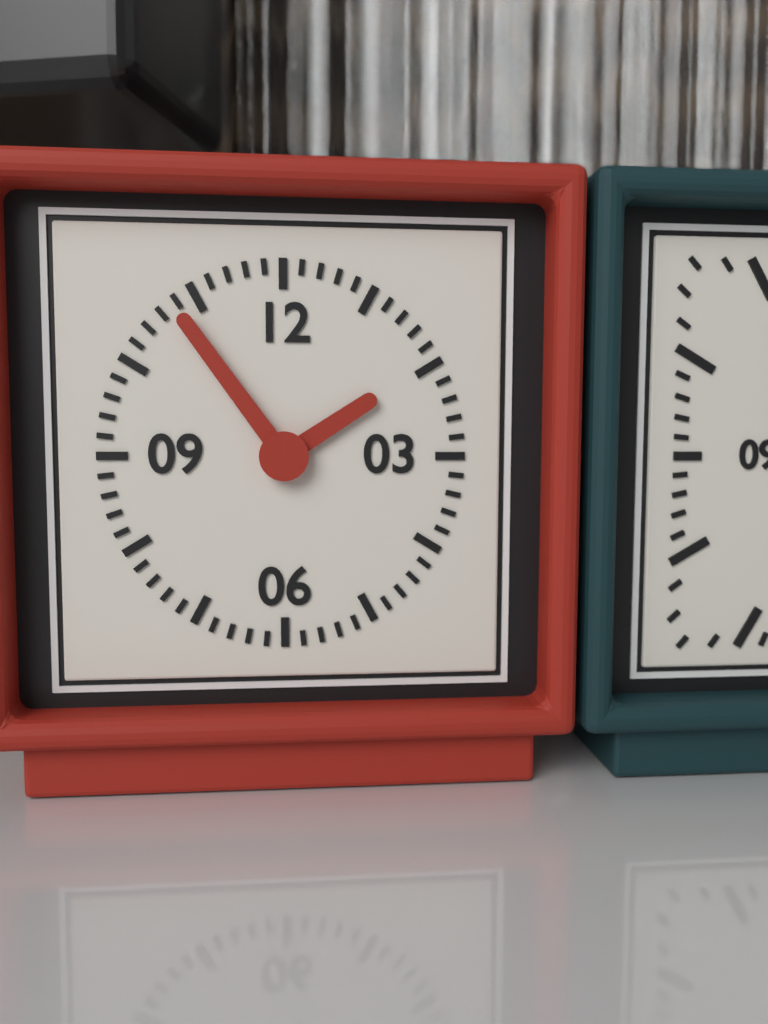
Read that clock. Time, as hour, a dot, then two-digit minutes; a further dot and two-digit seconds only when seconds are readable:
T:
1.54
